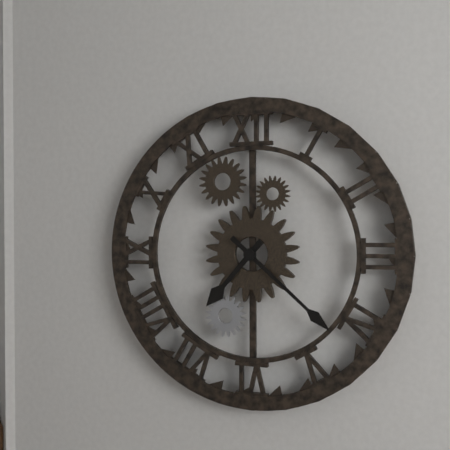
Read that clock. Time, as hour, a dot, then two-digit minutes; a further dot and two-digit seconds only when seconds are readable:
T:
7.22
